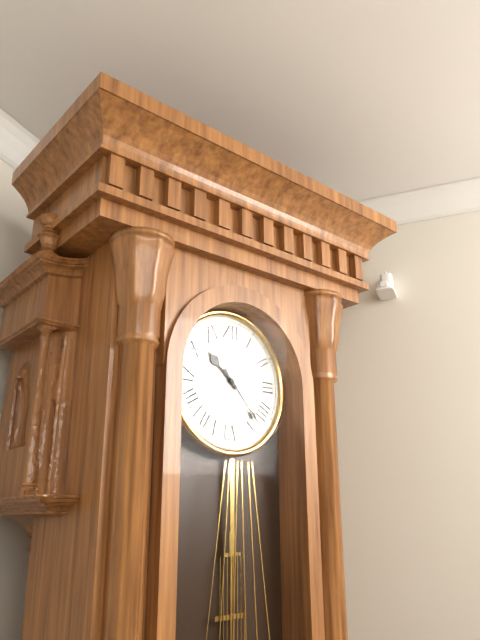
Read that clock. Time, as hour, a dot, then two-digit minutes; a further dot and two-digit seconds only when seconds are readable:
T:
10.23
